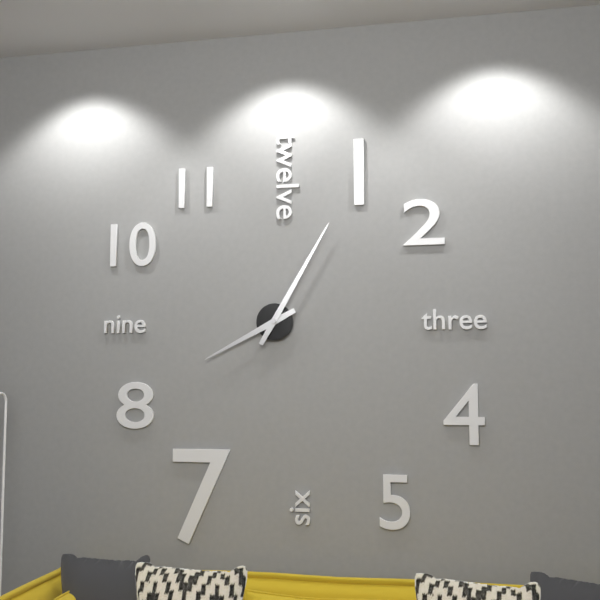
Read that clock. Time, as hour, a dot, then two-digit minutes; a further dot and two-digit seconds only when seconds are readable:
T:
8.05
